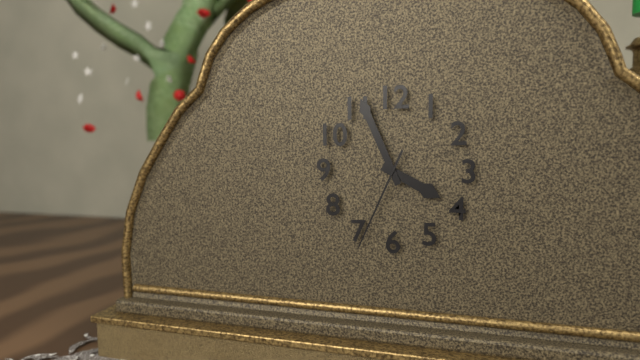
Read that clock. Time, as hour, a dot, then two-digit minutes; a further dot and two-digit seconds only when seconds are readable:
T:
3.56.34
